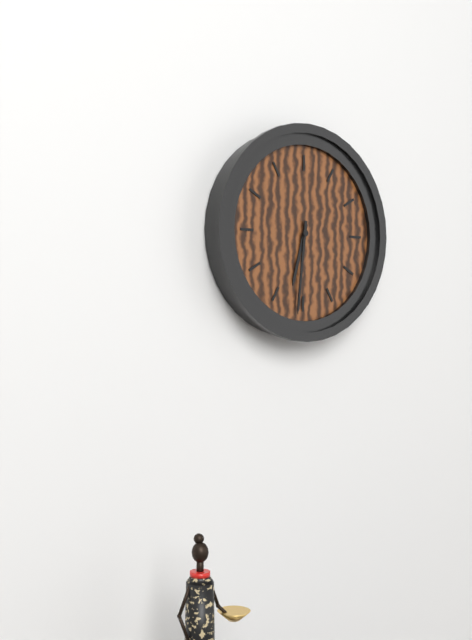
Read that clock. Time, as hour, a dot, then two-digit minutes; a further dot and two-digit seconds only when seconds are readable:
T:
6.31
